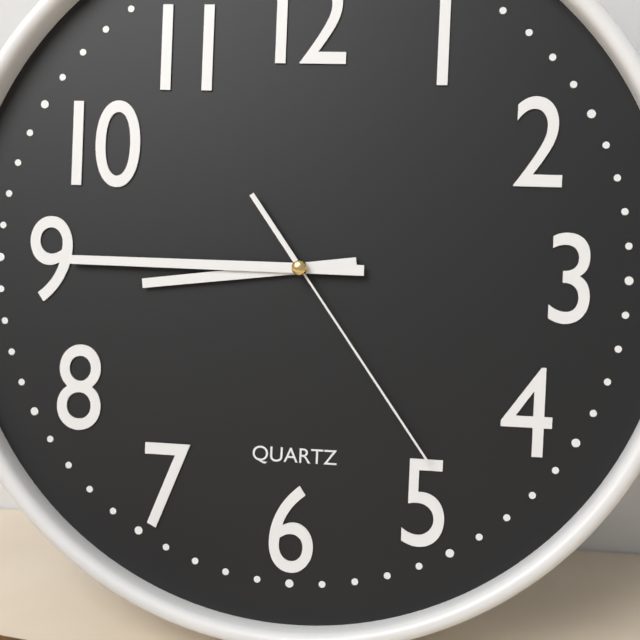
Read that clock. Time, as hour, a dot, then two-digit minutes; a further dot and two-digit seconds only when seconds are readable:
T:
8.45.24
